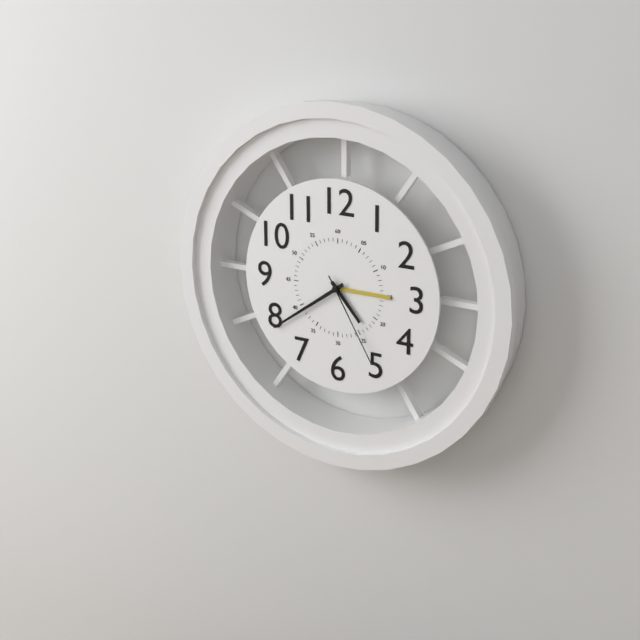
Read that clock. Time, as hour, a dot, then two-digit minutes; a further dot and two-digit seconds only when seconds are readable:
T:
4.39.25
